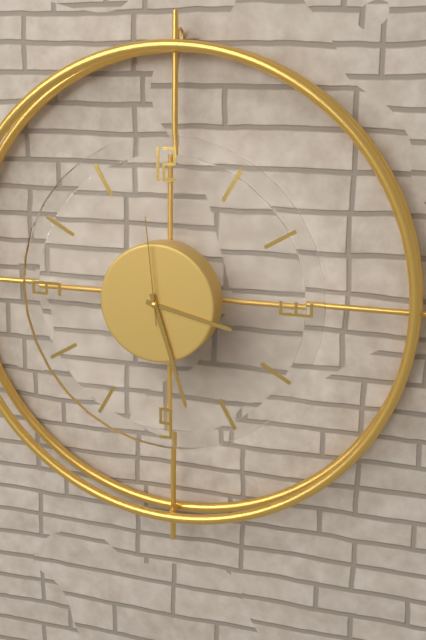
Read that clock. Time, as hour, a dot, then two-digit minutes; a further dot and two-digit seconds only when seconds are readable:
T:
3.27.59
